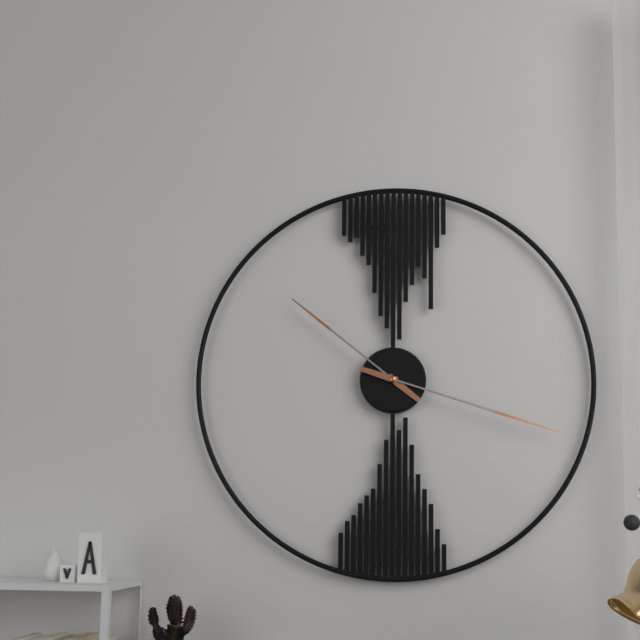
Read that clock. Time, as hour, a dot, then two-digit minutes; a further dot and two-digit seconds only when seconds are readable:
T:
10.18
